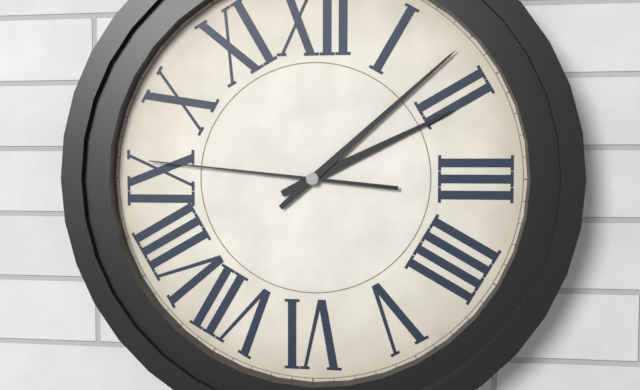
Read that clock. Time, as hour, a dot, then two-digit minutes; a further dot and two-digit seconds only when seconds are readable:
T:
2.08.46
